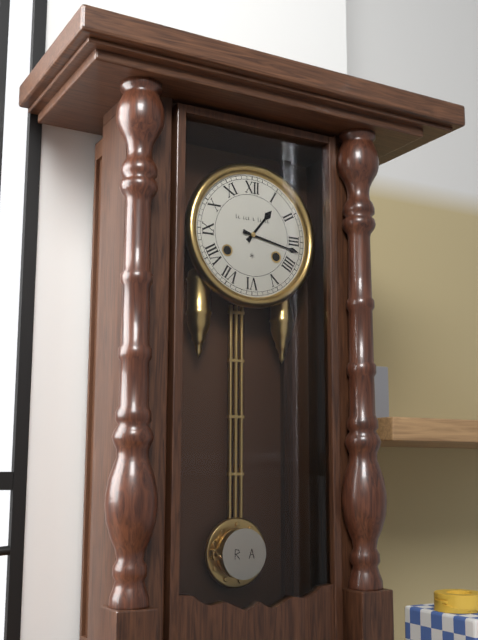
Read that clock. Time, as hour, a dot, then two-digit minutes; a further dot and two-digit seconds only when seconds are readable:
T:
1.17
